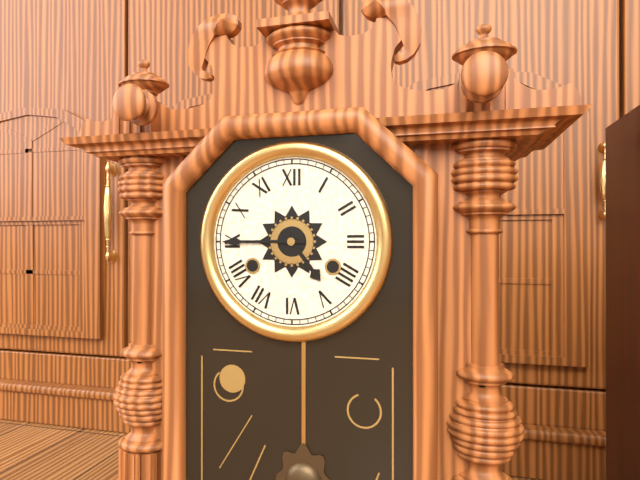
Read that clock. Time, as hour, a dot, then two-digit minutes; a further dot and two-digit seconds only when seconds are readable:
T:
4.45
